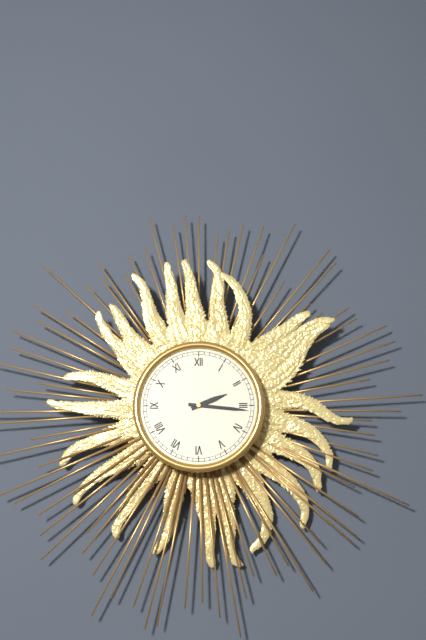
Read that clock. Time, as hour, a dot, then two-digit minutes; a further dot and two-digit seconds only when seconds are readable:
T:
2.16
